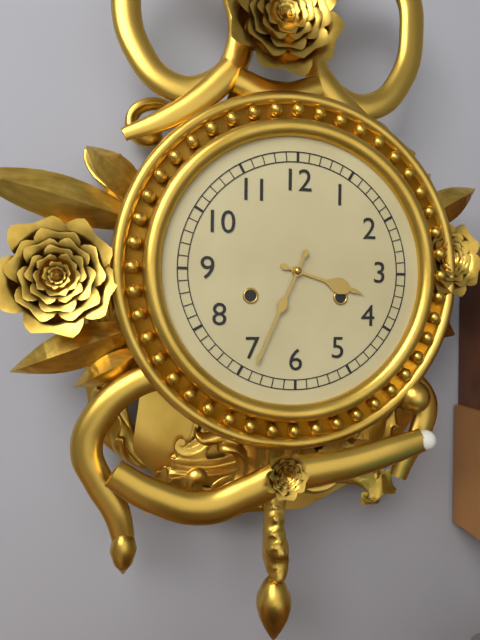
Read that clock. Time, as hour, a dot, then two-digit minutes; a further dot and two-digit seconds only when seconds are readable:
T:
3.34
